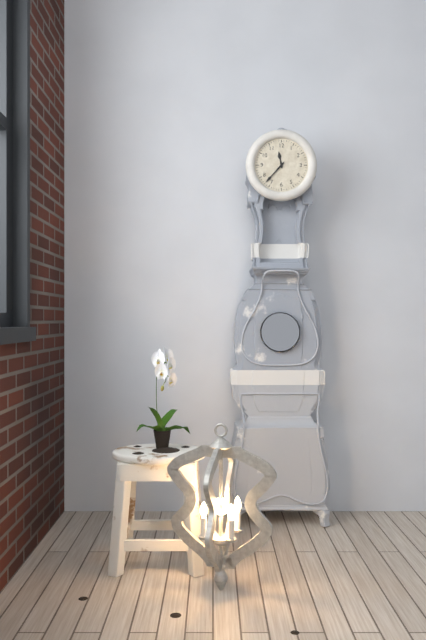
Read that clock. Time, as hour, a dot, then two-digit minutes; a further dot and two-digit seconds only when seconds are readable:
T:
11.37
